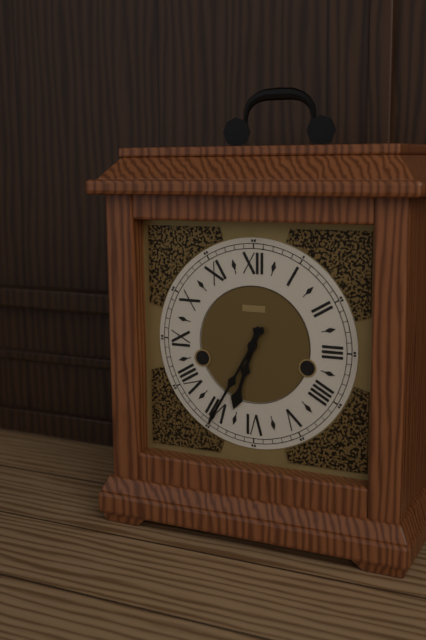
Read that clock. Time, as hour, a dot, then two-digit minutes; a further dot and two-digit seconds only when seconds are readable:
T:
6.35
